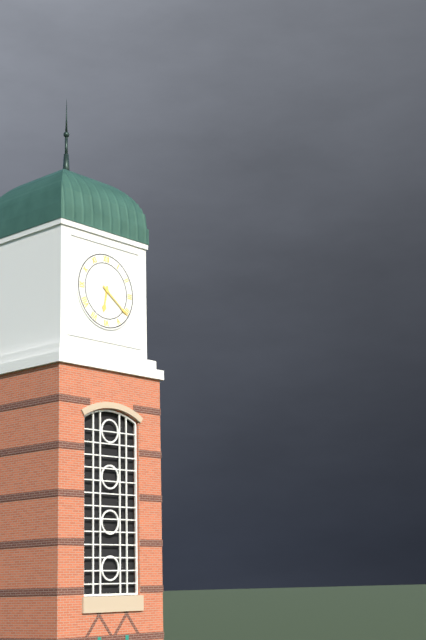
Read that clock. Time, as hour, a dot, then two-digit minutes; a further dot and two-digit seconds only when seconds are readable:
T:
6.21
